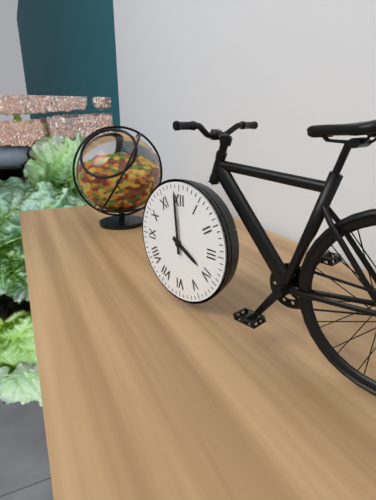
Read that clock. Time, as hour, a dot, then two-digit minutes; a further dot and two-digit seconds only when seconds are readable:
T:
3.59
